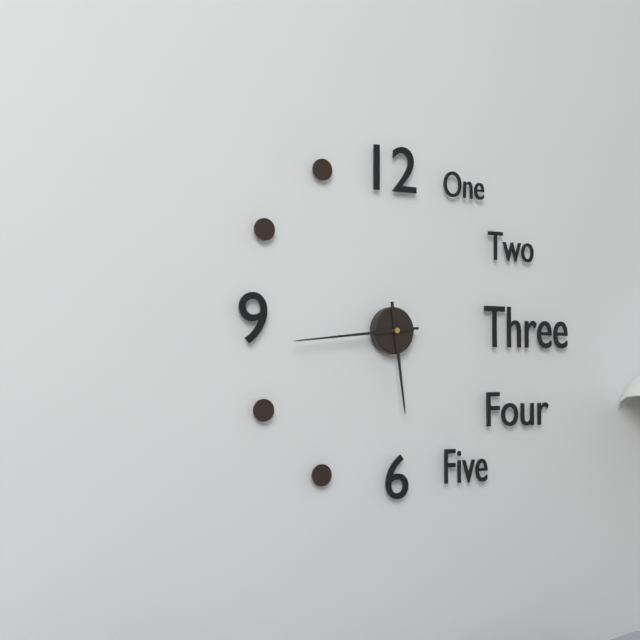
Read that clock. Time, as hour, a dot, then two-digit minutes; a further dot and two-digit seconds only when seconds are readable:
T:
5.44
